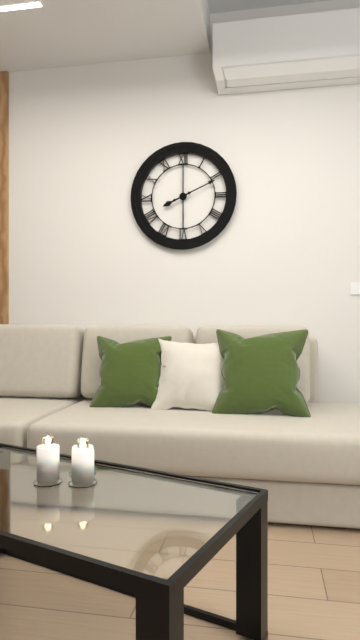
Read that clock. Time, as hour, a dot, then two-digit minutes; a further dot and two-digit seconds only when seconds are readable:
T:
8.11
